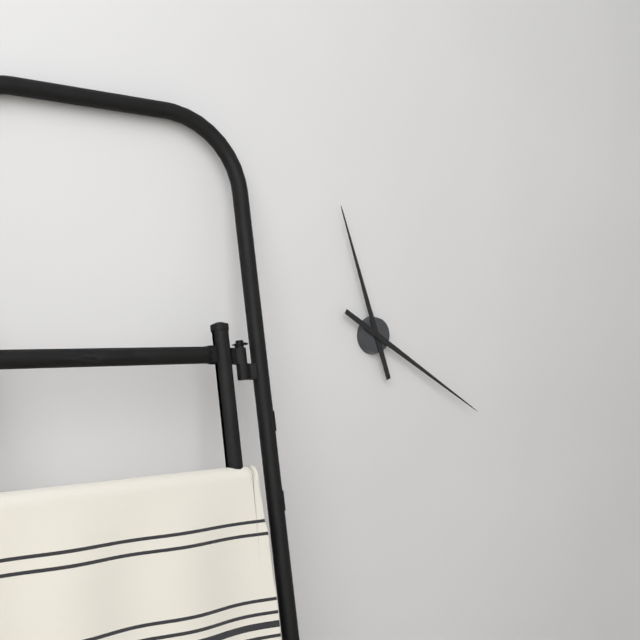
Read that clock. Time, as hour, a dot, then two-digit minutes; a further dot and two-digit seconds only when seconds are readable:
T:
11.20
